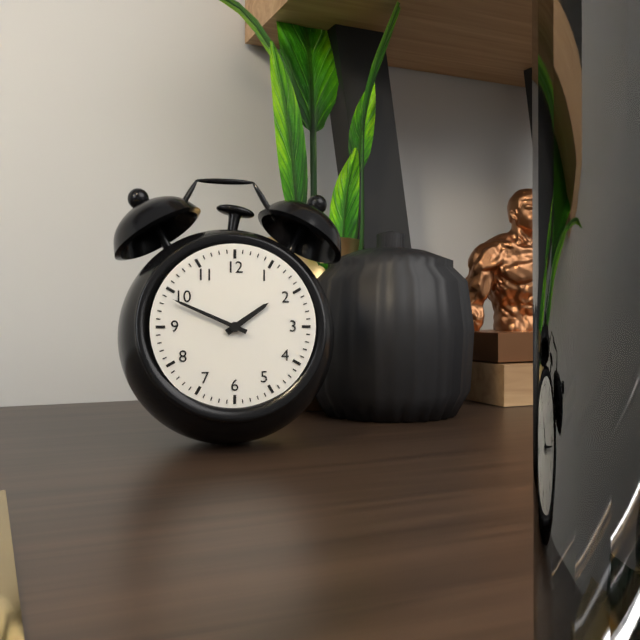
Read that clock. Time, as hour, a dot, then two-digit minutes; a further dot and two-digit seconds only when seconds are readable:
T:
1.49
